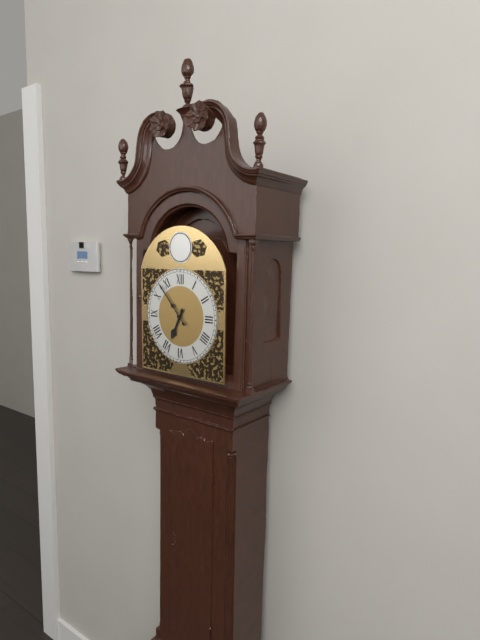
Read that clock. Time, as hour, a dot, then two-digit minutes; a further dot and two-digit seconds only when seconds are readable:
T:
6.53
